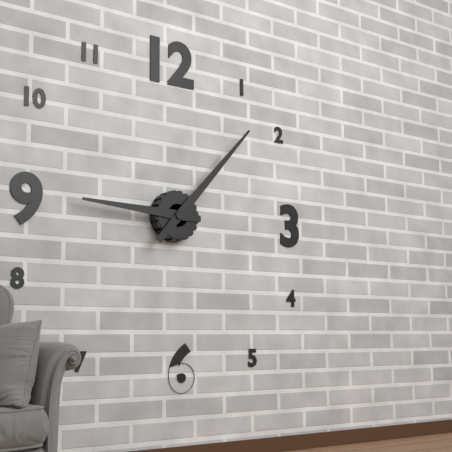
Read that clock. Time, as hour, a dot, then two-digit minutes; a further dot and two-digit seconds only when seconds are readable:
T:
9.07
